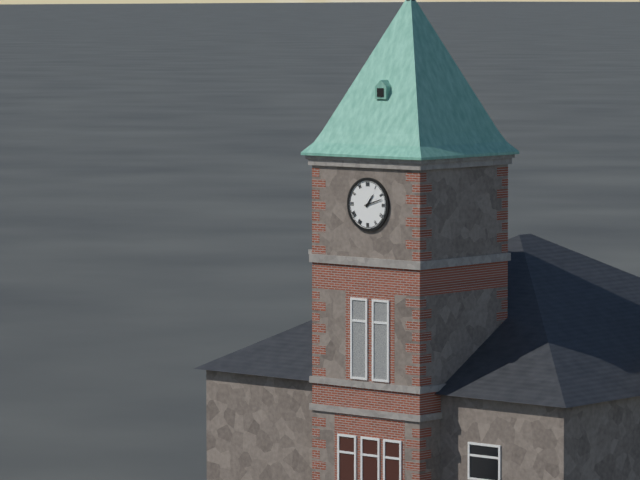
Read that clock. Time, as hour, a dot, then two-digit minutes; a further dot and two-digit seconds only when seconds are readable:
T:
1.12
